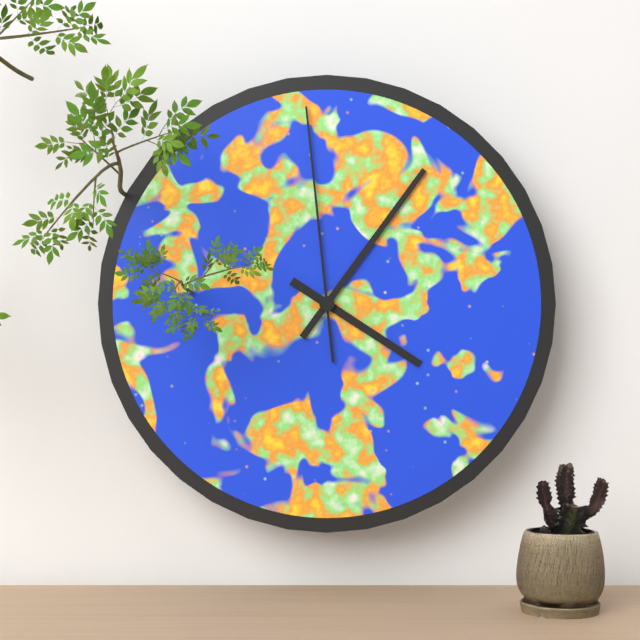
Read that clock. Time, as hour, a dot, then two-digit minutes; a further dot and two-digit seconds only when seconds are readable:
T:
4.06.59
